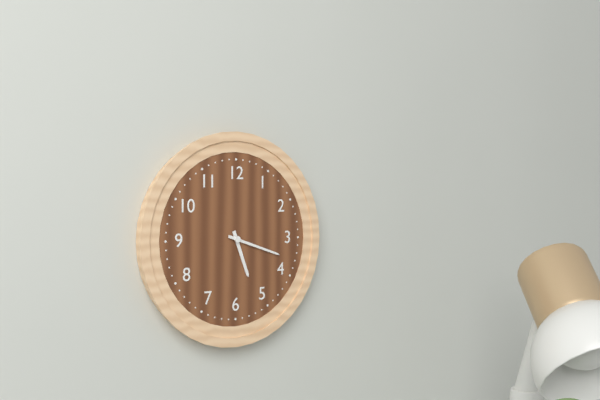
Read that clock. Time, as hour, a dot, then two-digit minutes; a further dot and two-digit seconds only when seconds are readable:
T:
5.18
